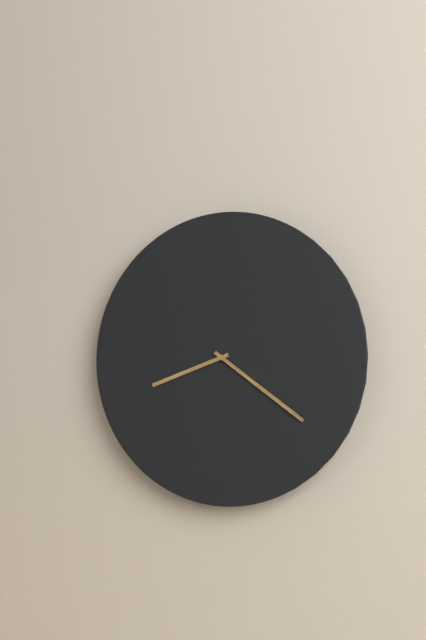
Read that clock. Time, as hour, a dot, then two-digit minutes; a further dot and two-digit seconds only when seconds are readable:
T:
8.21
